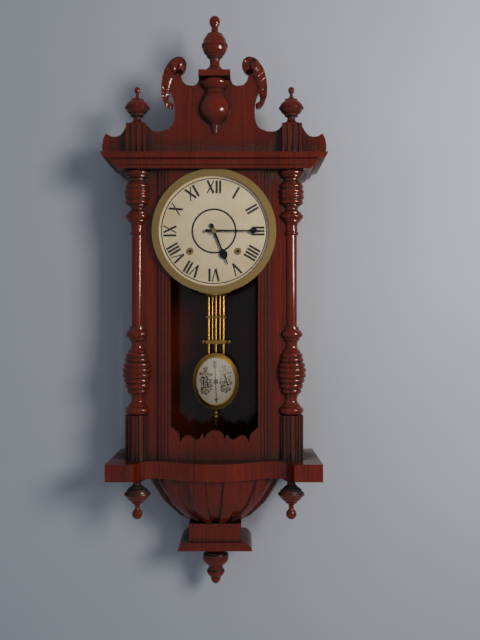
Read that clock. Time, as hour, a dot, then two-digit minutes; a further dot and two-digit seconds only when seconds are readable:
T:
5.15
